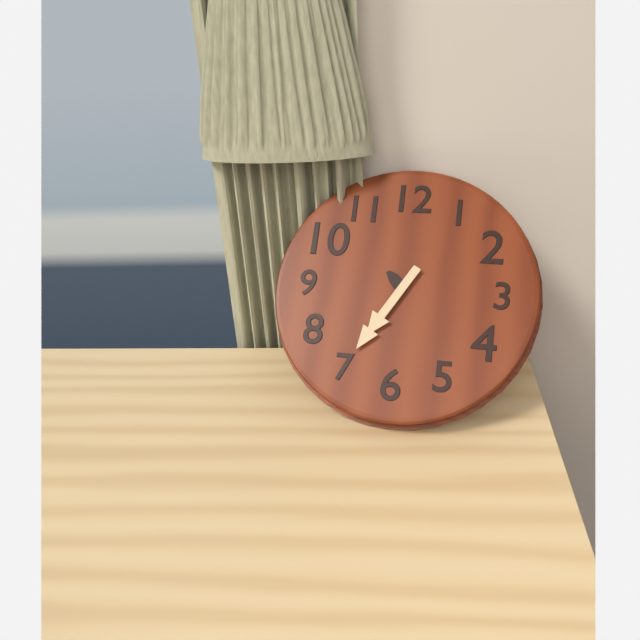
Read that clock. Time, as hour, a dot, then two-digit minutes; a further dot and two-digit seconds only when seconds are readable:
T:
10.35
